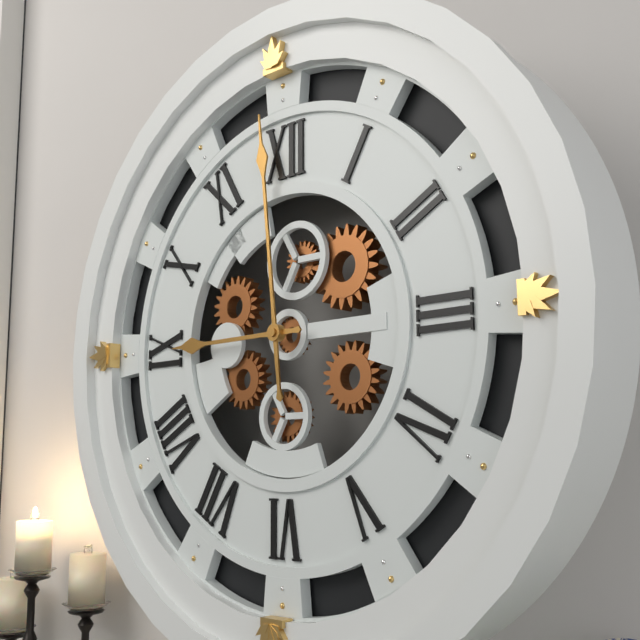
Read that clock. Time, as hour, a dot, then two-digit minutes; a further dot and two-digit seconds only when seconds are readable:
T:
8.59
